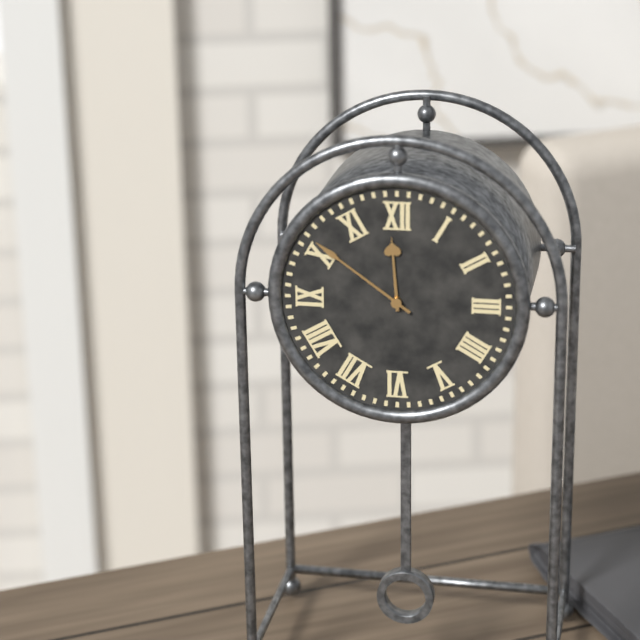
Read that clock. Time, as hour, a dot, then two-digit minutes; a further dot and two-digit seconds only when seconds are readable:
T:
11.51
